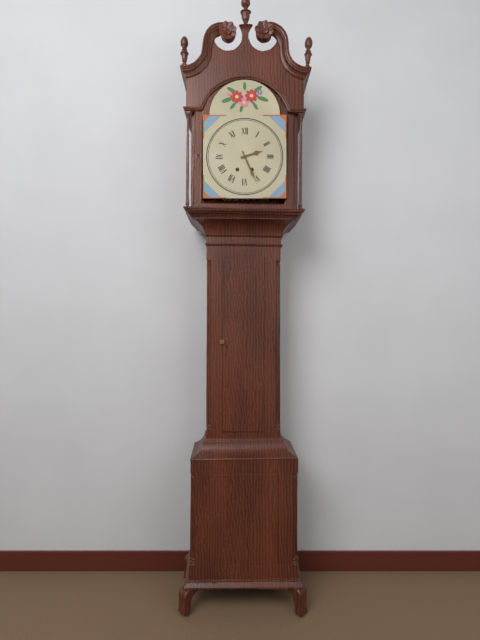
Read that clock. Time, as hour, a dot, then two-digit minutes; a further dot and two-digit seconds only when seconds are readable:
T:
2.26
